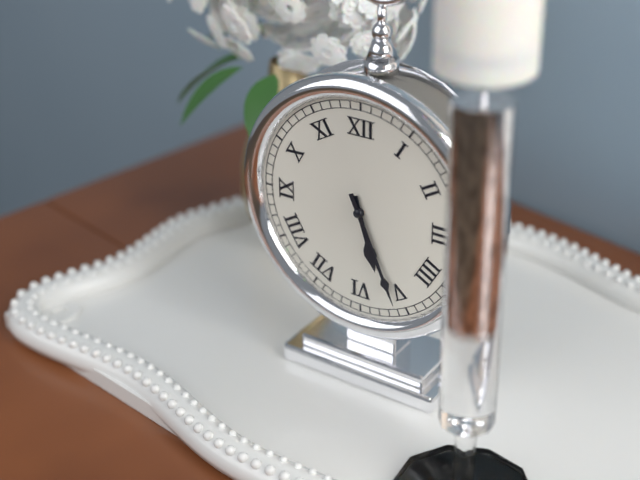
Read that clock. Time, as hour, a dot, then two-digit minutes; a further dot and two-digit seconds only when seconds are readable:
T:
5.26
